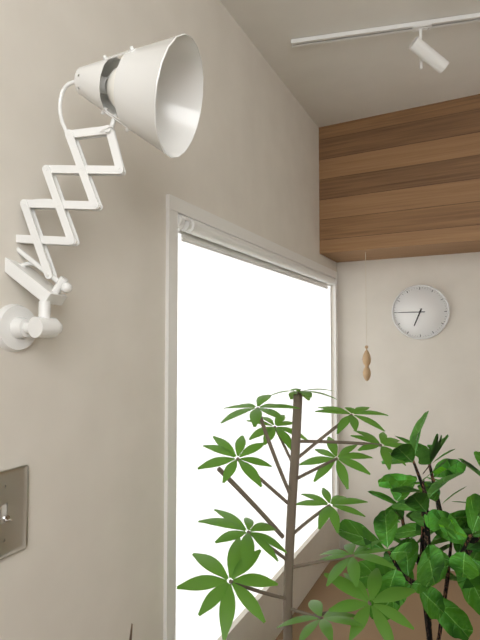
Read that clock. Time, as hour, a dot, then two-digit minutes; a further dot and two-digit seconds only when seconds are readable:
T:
6.45
